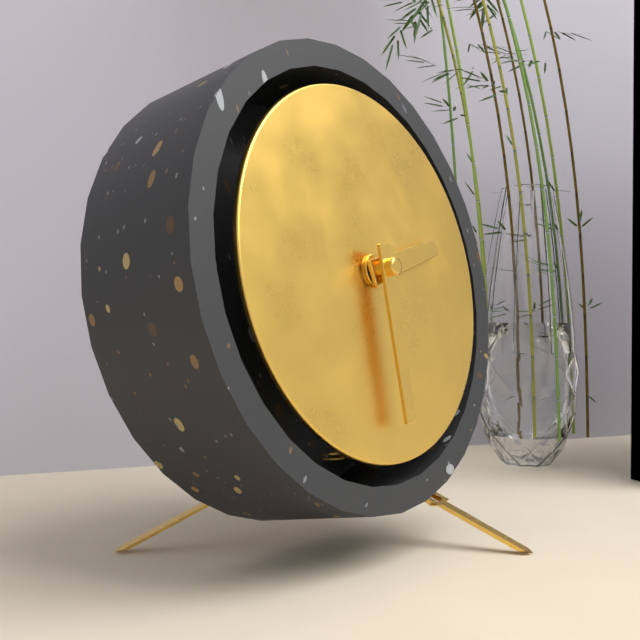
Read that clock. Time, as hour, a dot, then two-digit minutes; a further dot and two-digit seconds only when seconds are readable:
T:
2.30
